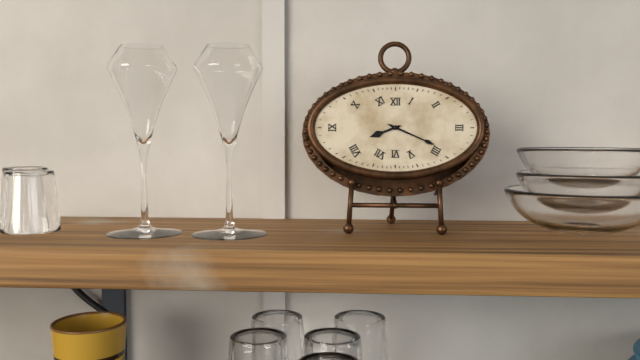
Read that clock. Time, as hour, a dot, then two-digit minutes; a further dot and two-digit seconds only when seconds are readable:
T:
8.19
